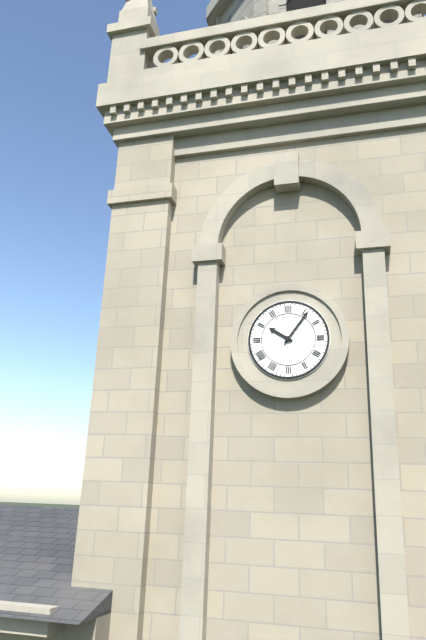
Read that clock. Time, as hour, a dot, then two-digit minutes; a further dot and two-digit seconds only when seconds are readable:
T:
10.06
